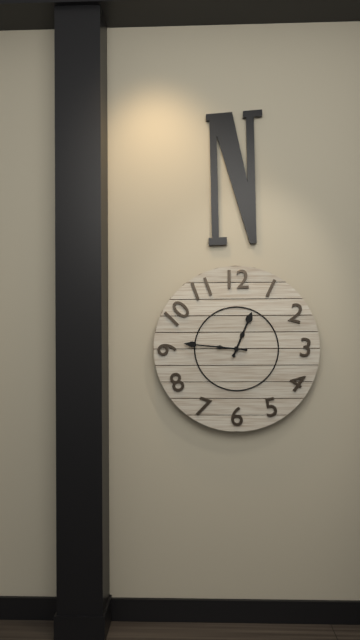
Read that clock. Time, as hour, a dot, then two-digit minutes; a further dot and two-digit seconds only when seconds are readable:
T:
12.46
